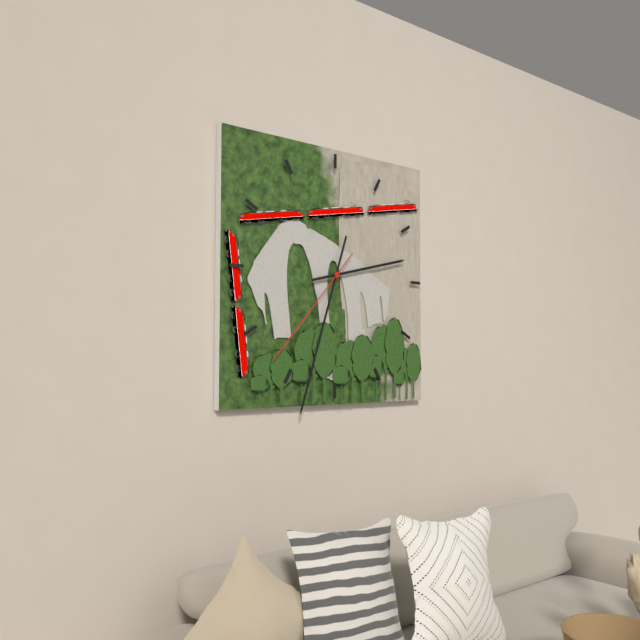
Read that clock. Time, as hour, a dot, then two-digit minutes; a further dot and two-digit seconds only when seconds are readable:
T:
2.33.37
